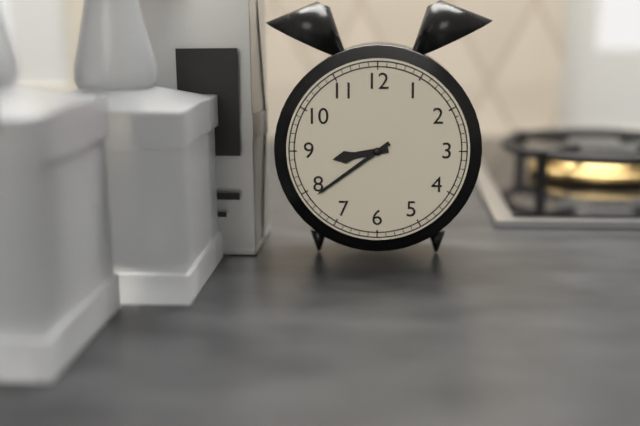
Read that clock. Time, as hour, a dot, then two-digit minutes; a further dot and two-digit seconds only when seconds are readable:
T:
8.39
